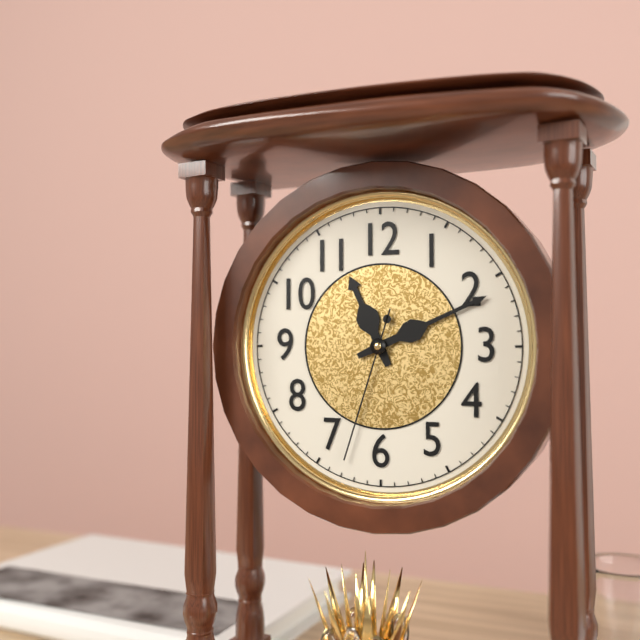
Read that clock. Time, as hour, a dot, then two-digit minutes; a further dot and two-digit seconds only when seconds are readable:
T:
11.11.33
